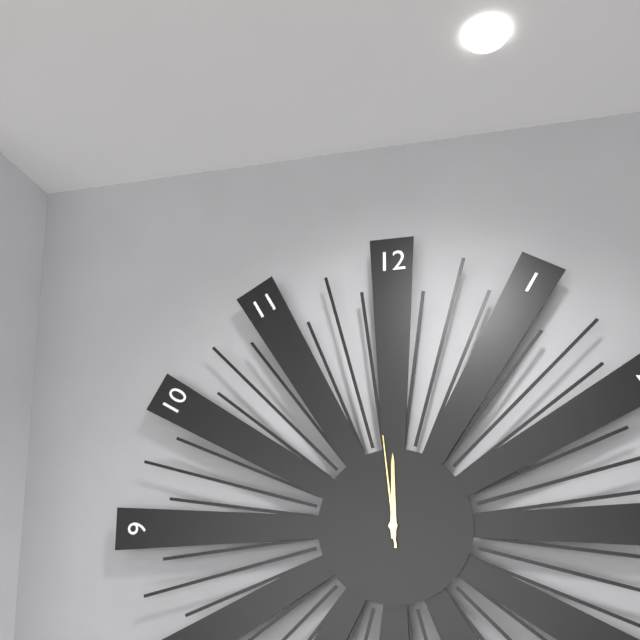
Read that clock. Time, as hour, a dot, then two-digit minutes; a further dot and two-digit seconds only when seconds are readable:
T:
12.00.59
